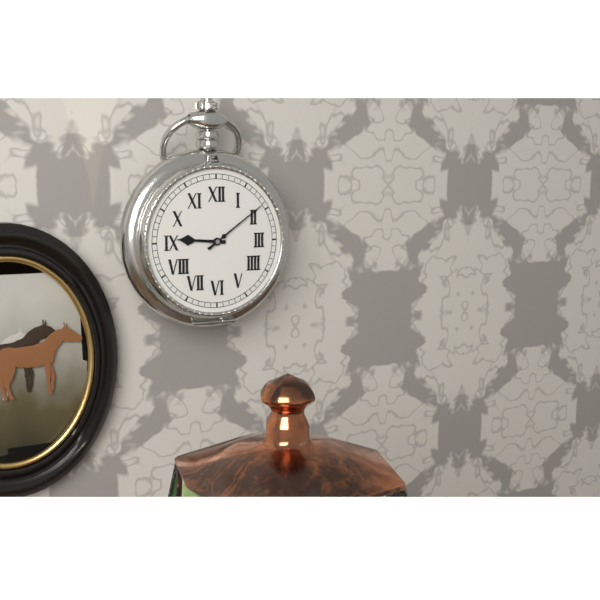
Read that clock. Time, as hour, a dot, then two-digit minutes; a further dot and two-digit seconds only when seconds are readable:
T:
9.09
